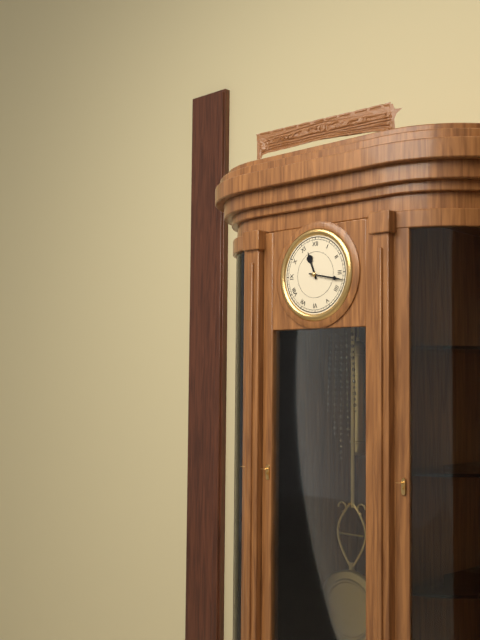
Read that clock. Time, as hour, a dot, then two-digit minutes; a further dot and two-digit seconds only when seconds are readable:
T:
11.17
